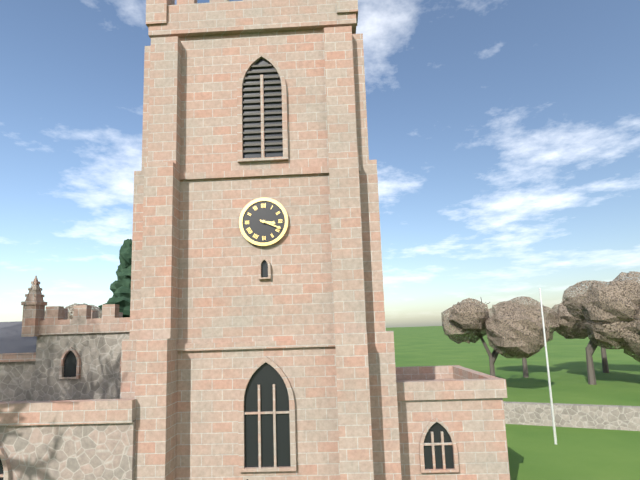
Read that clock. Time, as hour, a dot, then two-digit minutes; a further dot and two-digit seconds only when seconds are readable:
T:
3.19
